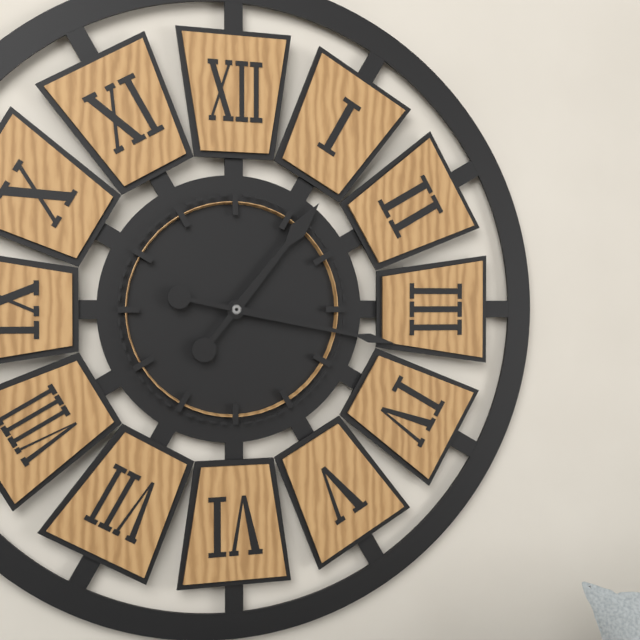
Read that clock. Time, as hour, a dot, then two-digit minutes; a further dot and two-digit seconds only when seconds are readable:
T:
1.17
